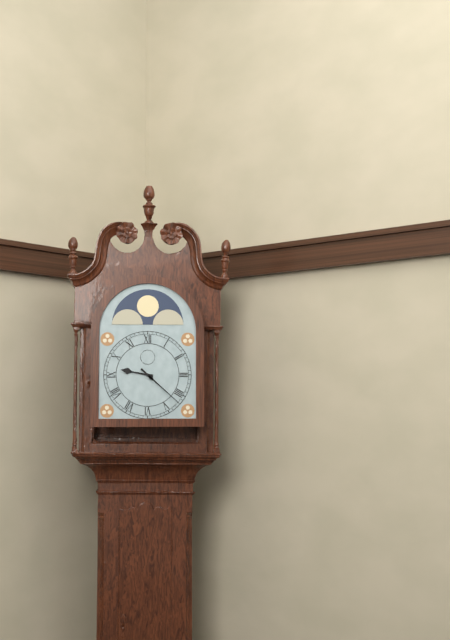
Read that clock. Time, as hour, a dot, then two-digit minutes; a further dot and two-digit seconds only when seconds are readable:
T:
9.22
